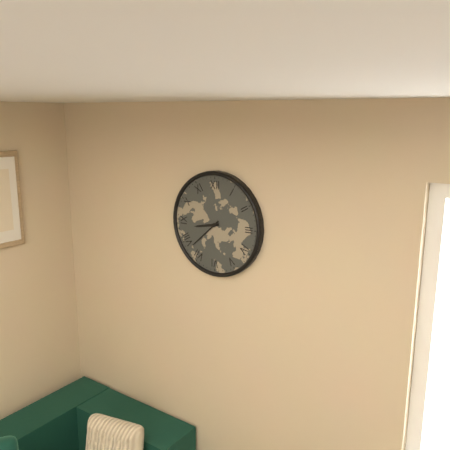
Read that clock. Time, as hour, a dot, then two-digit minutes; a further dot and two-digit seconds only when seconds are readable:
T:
8.38
